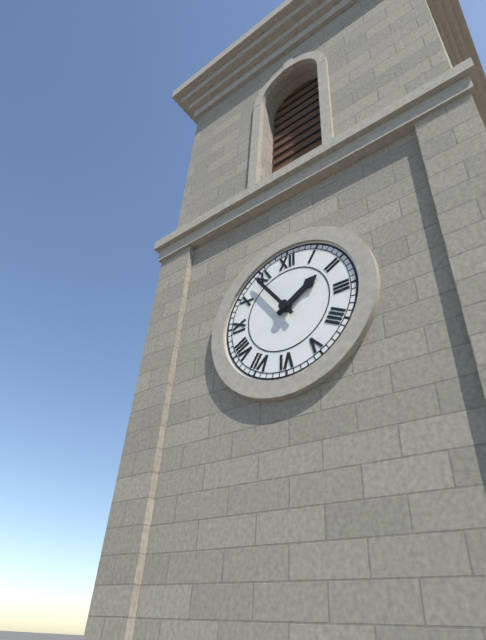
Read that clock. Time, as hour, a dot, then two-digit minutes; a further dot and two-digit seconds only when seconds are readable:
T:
1.54
